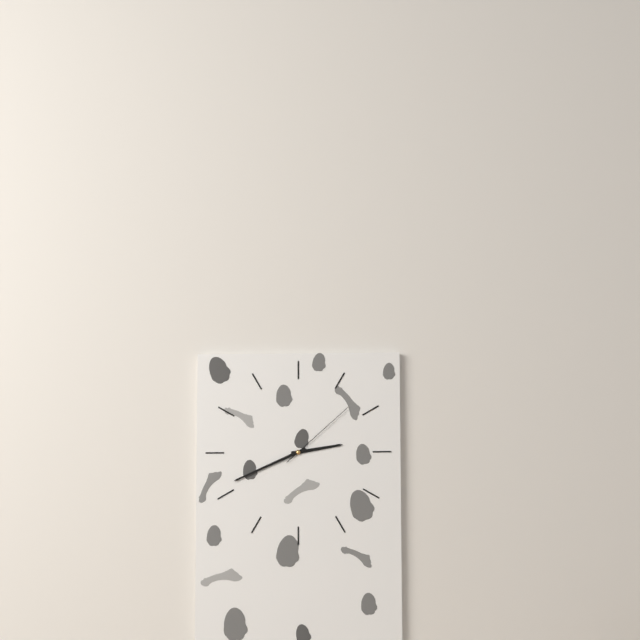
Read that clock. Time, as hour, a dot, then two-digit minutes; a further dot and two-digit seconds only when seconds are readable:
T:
2.41.08
